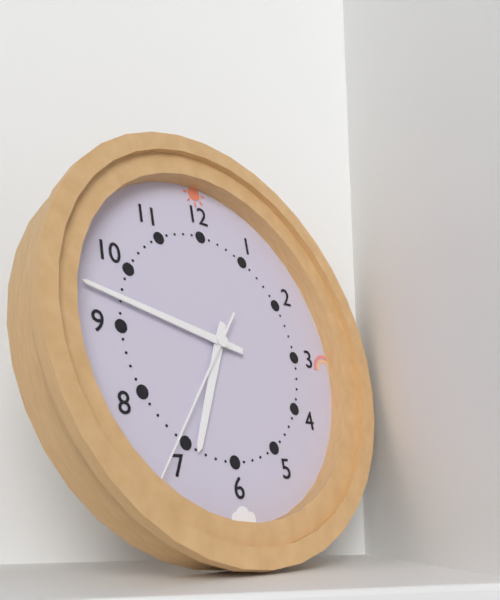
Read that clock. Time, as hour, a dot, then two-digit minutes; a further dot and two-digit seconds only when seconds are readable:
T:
6.47.36
